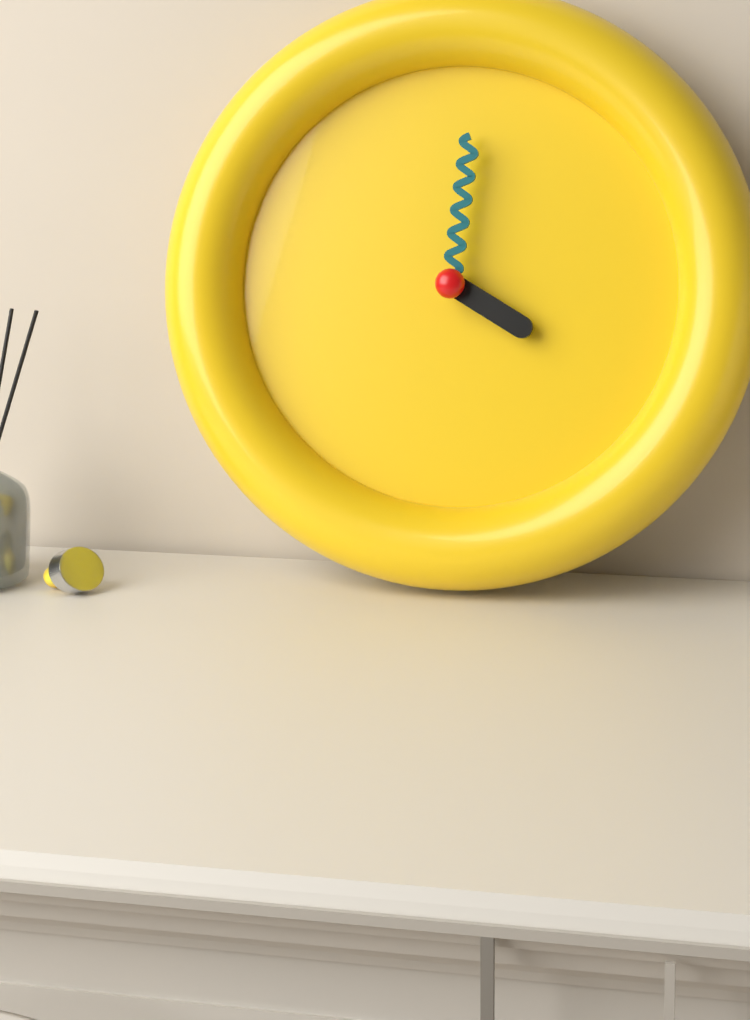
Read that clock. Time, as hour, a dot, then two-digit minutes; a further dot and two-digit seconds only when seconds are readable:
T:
4.01
